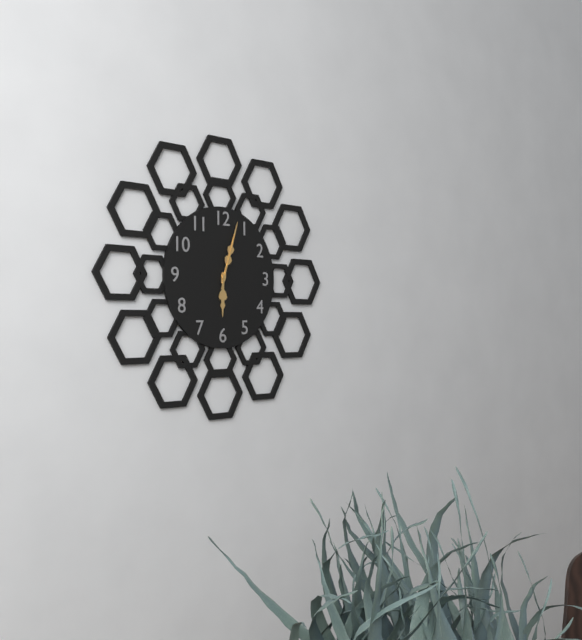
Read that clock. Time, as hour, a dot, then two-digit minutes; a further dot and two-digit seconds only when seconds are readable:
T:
6.03.03
